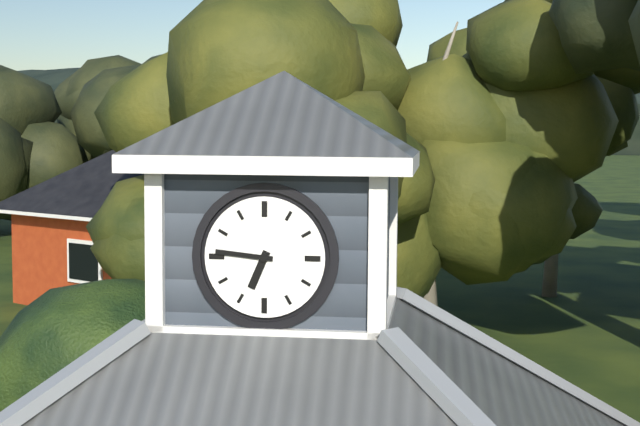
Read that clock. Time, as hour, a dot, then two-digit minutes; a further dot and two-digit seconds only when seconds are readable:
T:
6.46
